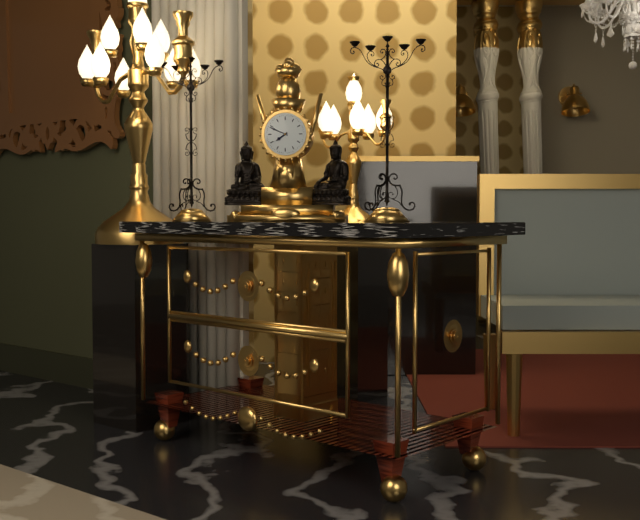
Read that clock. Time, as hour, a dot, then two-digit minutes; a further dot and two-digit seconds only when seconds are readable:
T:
7.49
